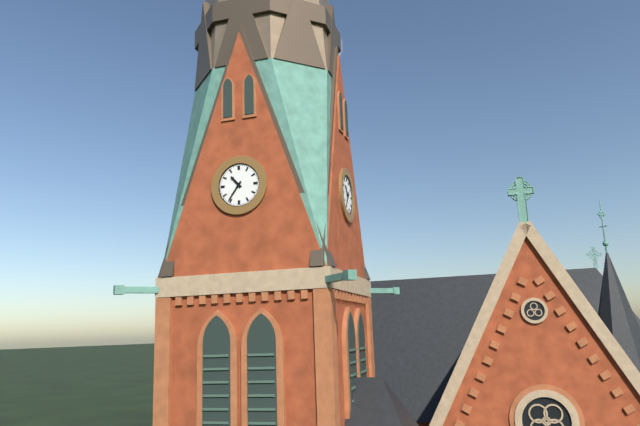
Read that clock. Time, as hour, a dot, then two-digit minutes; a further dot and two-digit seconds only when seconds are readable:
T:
10.36
